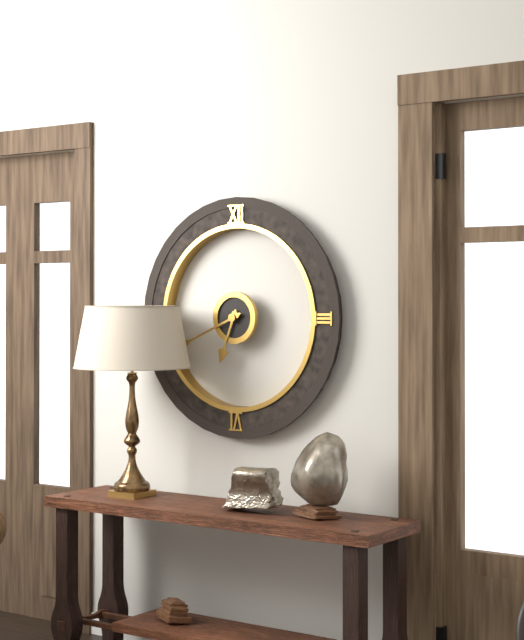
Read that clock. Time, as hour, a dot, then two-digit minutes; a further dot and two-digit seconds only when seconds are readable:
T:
6.41
